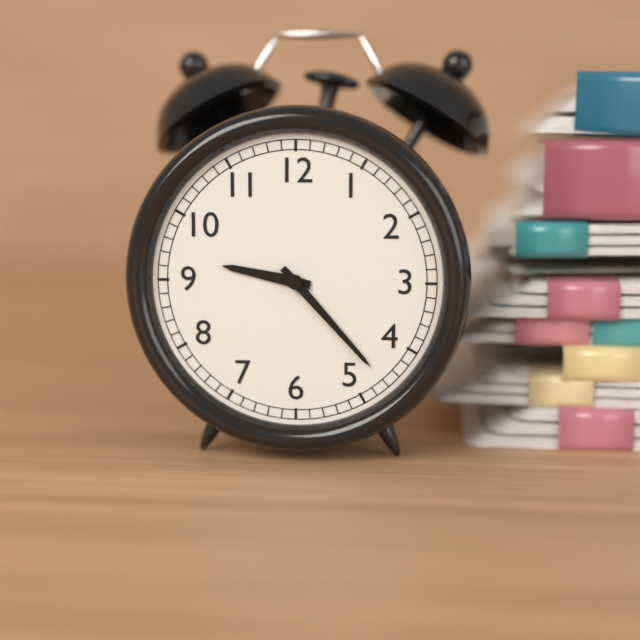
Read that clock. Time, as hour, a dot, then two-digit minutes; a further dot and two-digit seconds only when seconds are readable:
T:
9.23
